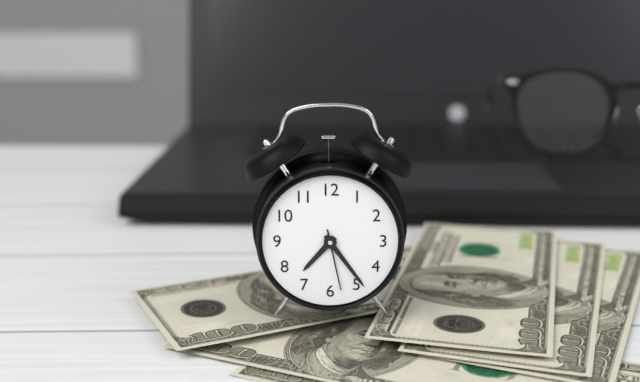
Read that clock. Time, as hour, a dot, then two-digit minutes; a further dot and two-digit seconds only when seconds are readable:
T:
7.24.28
